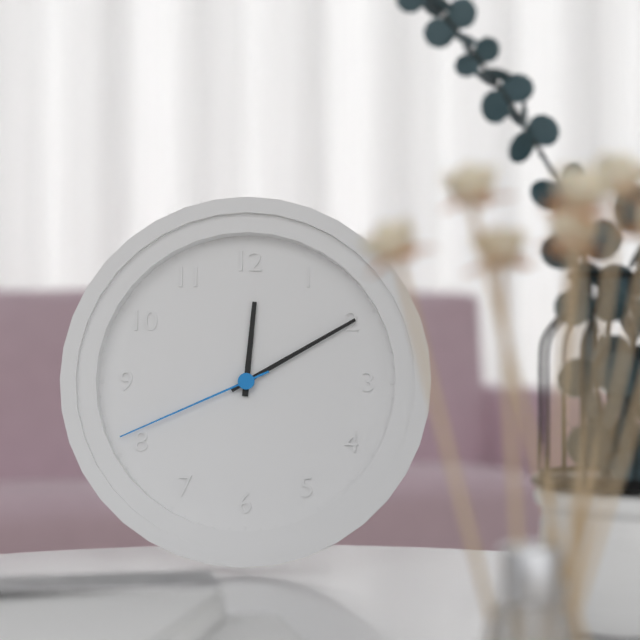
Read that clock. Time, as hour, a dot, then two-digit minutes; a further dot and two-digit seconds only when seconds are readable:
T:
12.10.41
